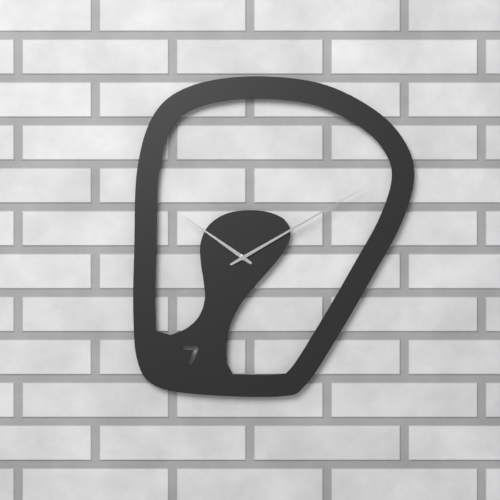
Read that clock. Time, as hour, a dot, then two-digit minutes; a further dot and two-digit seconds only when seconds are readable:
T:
10.10
